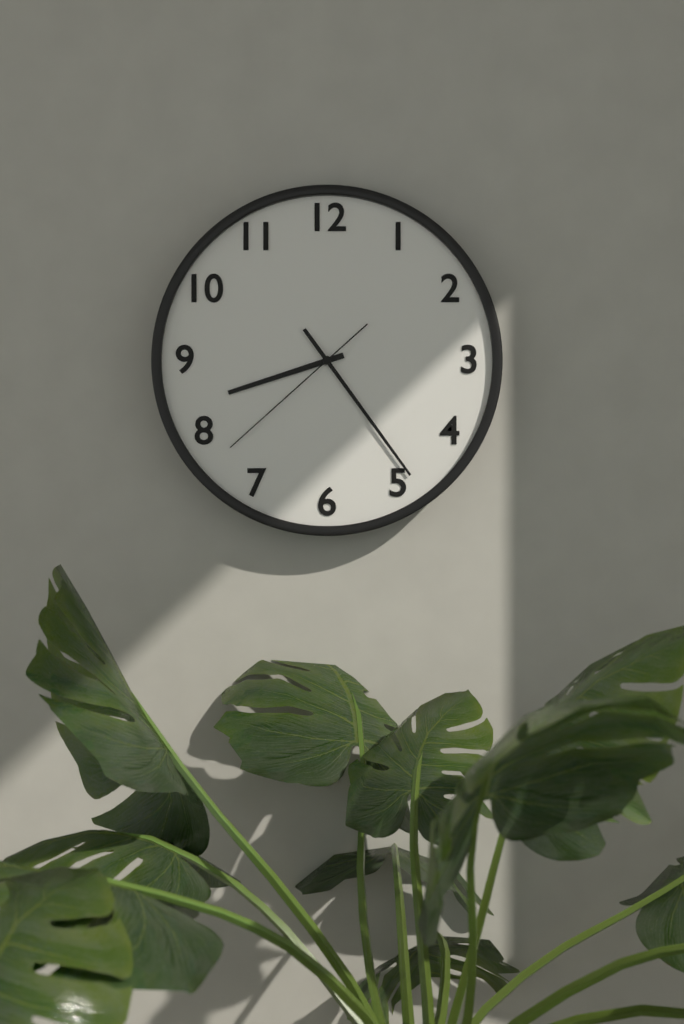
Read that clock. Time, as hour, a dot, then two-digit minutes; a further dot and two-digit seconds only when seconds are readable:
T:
8.24.38
